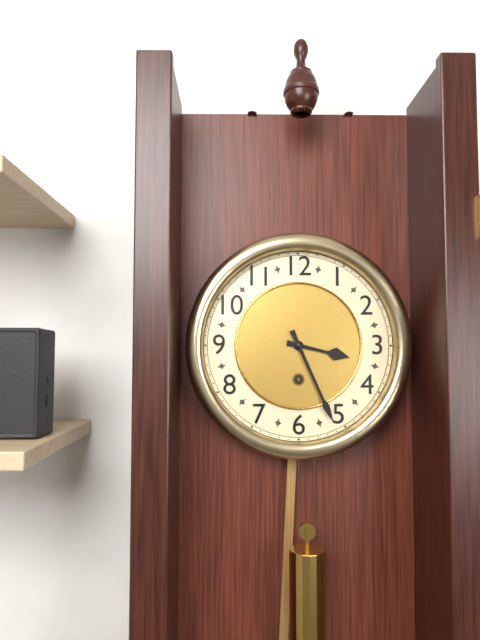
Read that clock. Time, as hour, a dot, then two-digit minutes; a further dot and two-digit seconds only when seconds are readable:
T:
3.26
